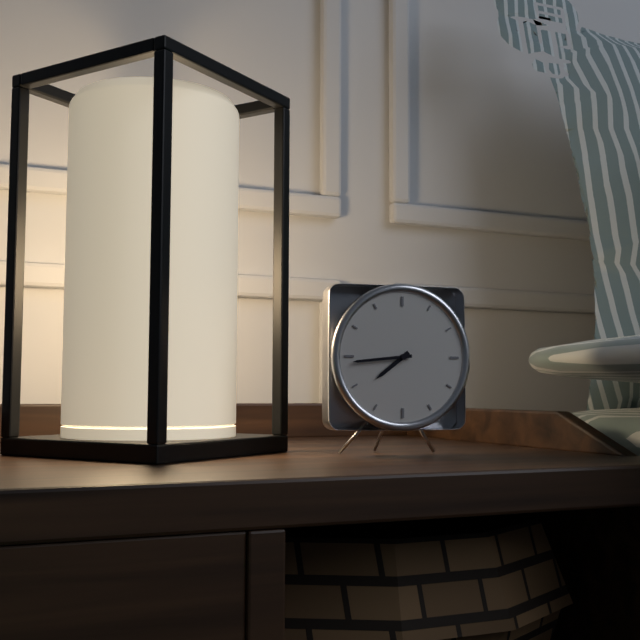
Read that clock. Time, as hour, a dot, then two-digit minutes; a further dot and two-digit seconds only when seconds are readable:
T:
7.44
